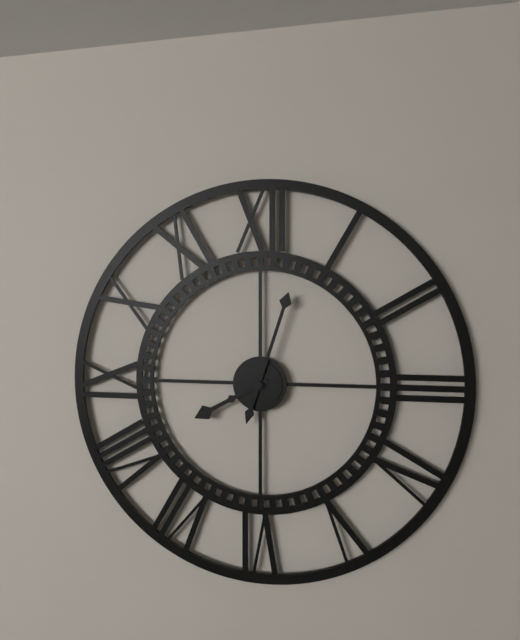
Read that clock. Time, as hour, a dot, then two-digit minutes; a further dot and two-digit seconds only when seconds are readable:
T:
8.03
